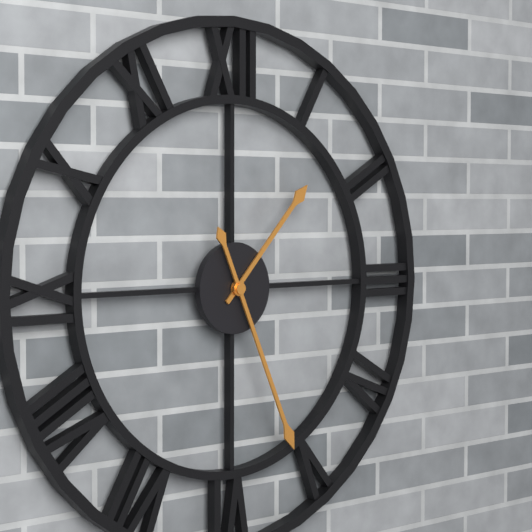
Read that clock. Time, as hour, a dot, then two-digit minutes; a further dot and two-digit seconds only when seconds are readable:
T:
1.26
